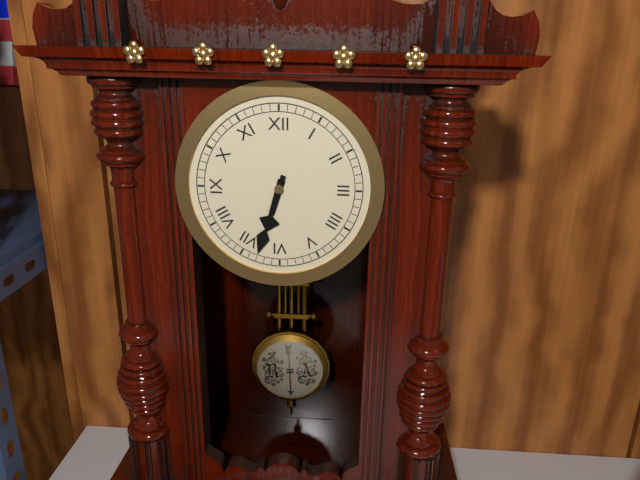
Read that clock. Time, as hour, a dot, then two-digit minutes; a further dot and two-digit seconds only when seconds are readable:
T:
6.33
